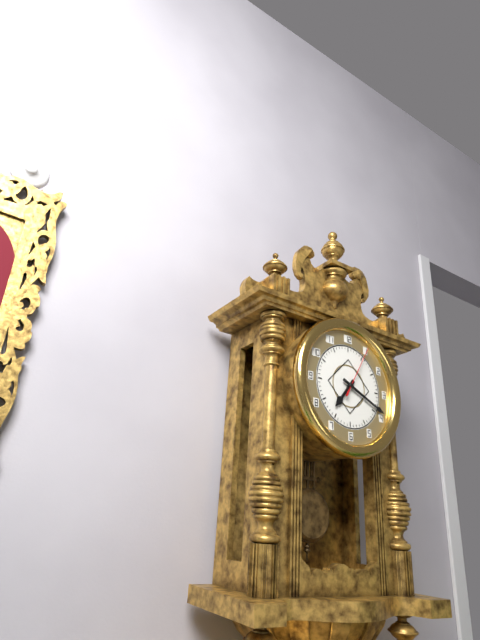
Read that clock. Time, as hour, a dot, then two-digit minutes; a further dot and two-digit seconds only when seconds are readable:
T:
7.19.05
